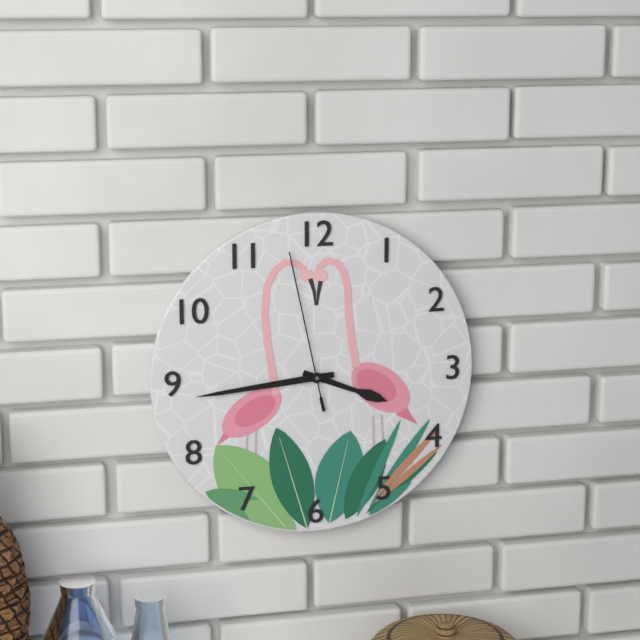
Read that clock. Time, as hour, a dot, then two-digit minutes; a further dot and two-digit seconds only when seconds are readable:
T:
3.44.58
